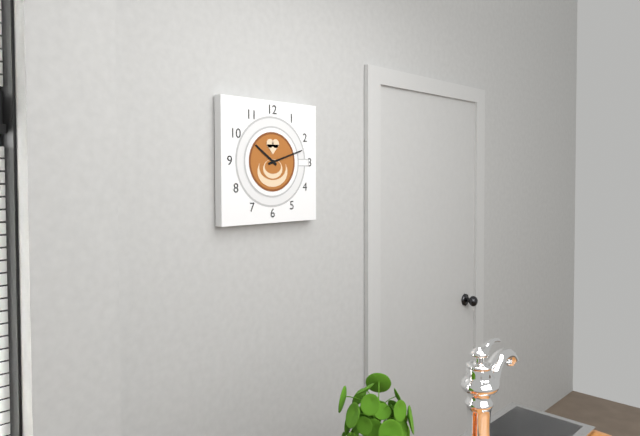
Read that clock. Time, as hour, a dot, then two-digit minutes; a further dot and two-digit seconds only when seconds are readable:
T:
10.12
